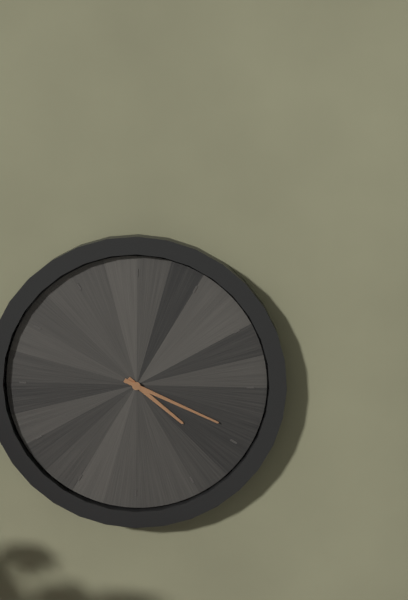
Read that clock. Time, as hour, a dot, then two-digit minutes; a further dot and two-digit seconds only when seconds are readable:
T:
4.19
